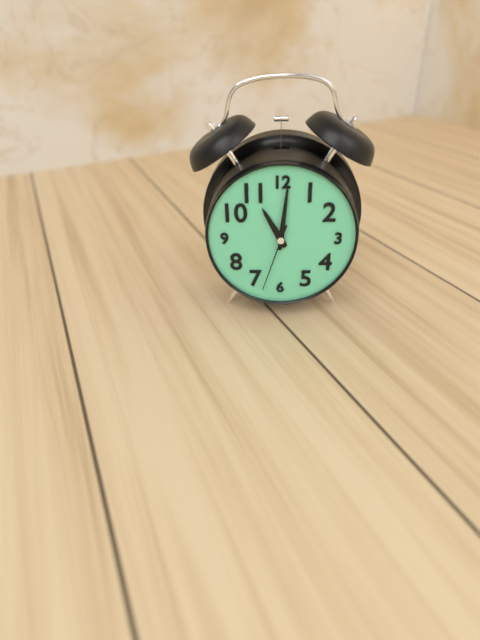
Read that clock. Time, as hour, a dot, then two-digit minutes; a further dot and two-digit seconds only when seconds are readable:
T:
11.01.33
